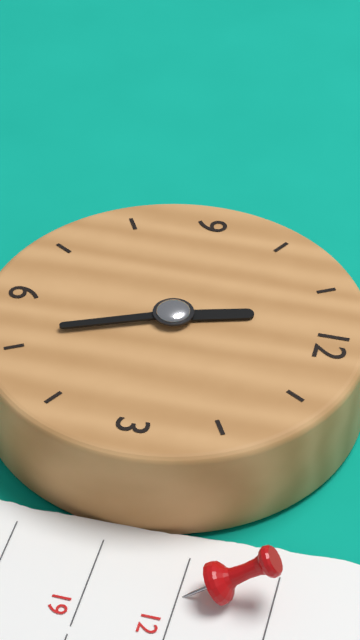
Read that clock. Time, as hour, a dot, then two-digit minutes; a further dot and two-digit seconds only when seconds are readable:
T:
11.26
